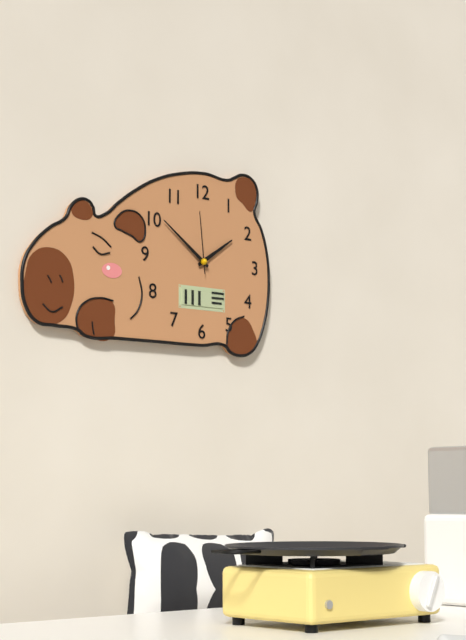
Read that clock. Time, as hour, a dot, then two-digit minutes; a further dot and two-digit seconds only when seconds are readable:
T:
1.51.59
